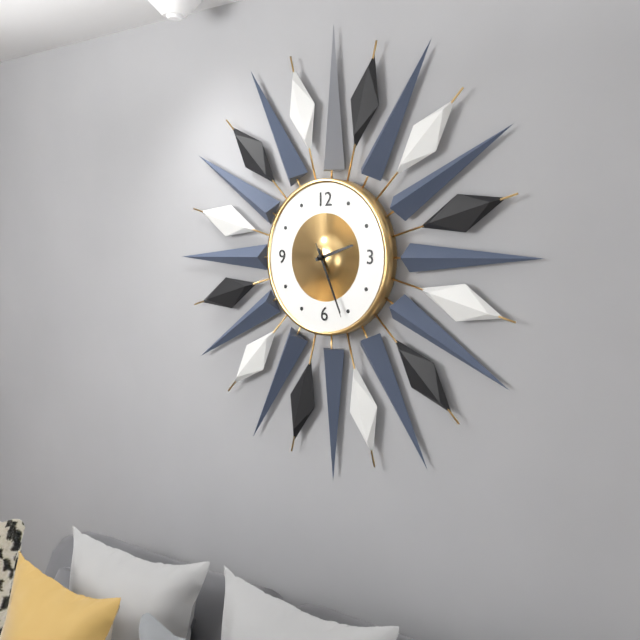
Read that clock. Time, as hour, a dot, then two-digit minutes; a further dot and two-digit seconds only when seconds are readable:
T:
2.26.26
